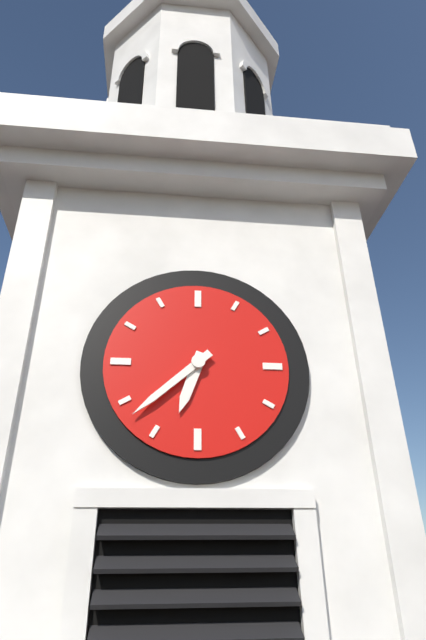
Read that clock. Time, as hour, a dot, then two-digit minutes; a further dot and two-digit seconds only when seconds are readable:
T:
6.38
